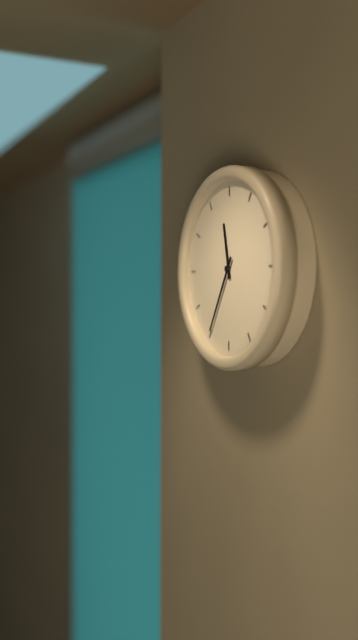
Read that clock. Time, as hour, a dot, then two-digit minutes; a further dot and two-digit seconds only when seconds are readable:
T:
11.35
